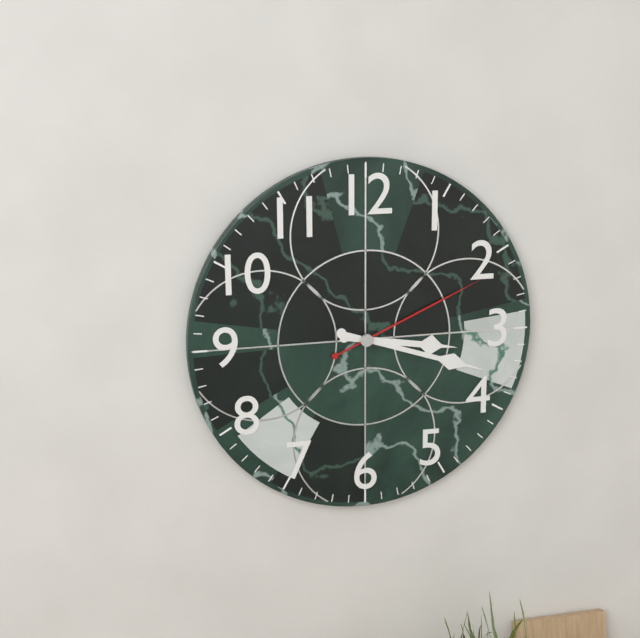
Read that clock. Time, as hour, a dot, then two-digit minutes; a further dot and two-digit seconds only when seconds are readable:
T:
3.18.11
